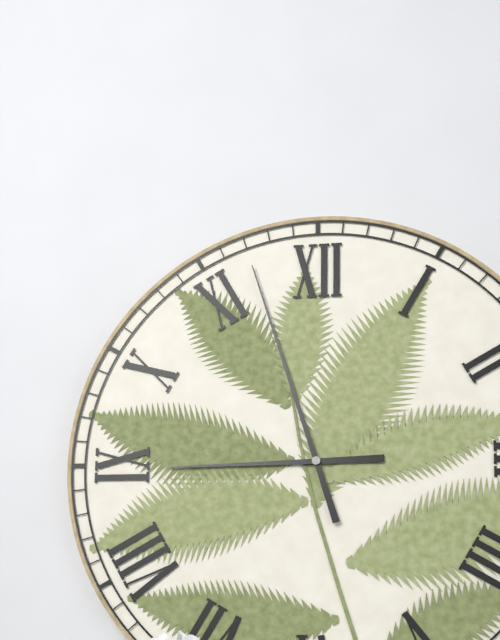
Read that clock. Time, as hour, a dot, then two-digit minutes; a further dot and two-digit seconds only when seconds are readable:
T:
8.57
